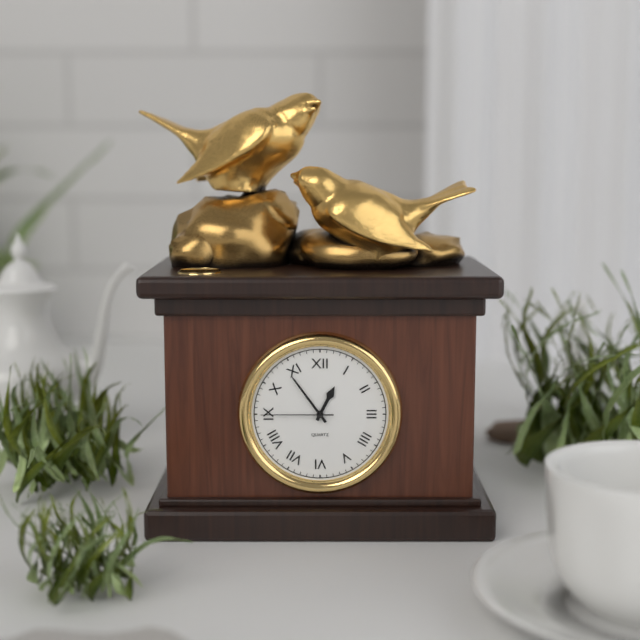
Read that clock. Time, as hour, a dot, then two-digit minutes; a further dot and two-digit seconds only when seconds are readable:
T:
12.54.45
